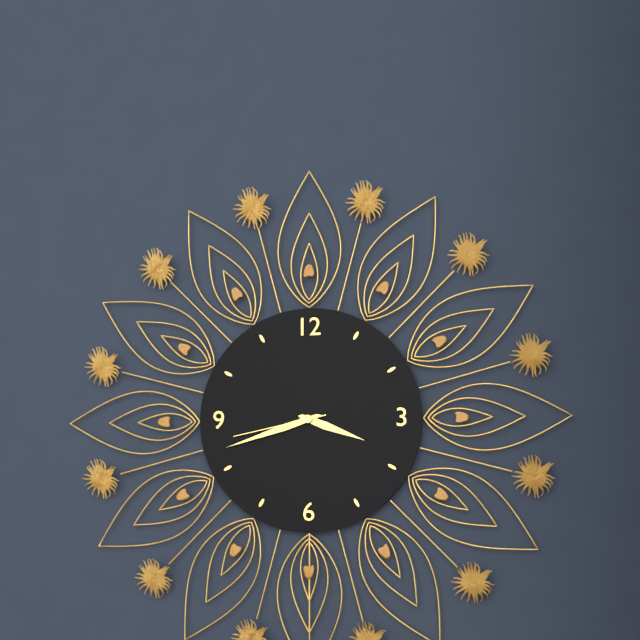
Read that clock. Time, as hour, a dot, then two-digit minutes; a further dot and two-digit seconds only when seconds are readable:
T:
3.42.43
